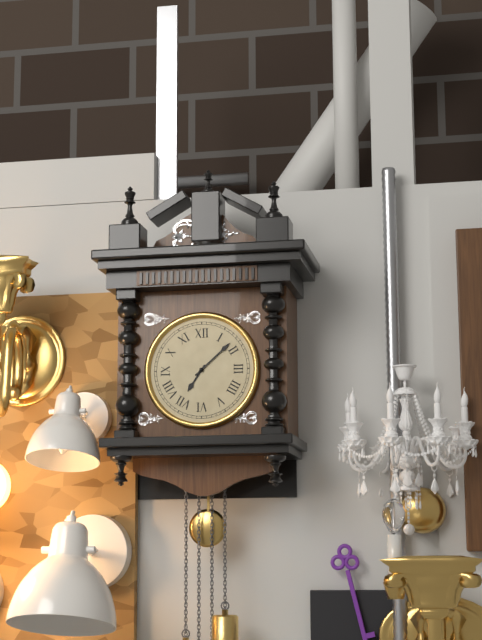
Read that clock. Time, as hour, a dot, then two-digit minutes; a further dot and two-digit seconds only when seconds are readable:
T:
7.08
